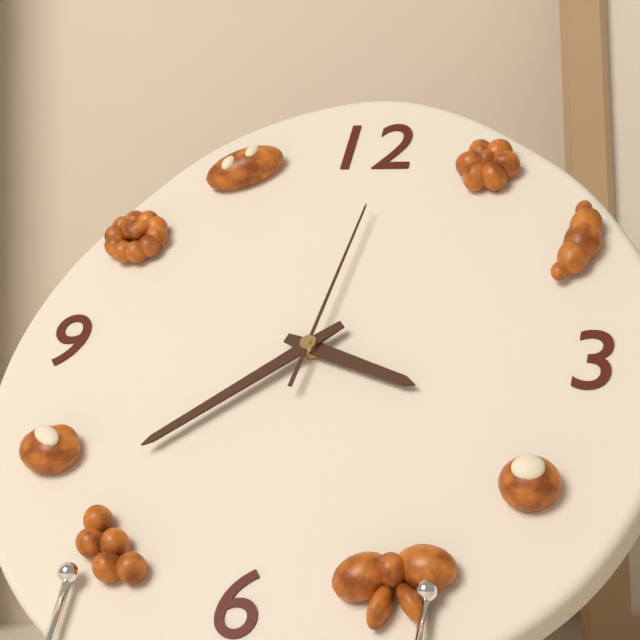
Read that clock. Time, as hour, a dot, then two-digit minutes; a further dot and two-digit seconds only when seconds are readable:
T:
3.38.01
